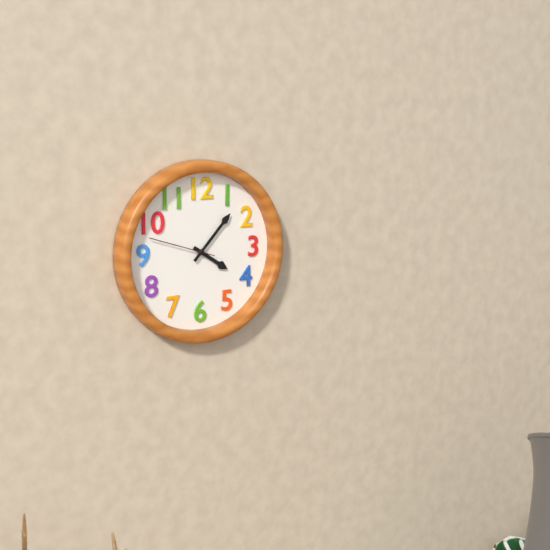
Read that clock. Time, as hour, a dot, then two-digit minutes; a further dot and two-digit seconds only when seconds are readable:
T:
4.07.48
